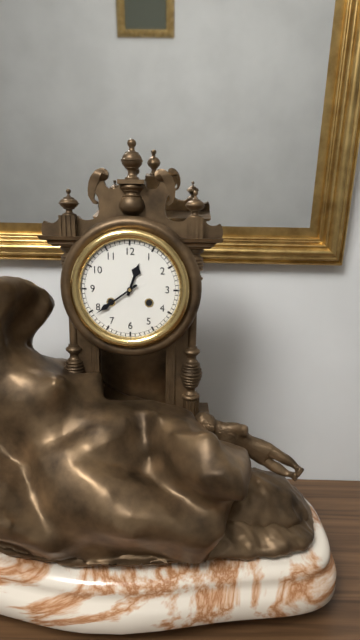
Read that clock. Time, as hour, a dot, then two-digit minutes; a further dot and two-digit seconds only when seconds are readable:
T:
12.39
